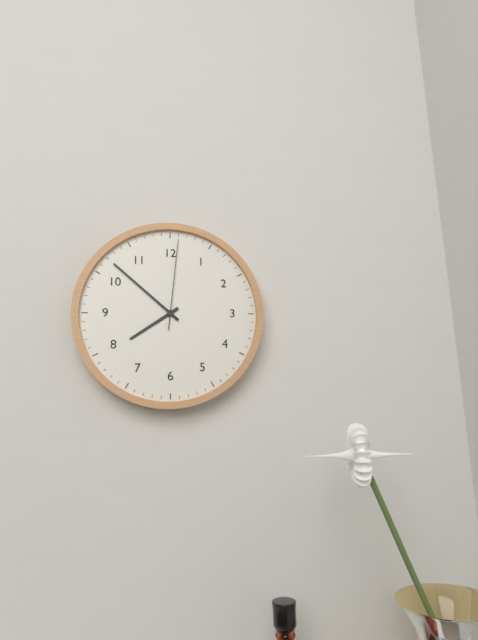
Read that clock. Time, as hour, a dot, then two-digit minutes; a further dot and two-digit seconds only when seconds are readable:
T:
7.52.01
